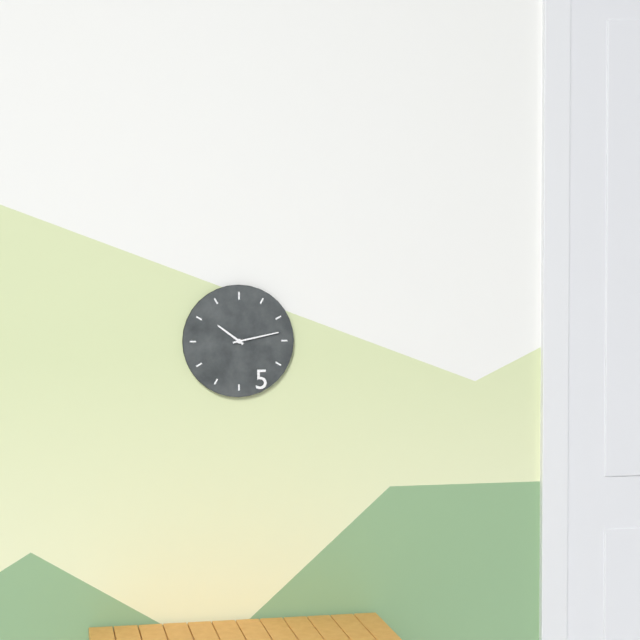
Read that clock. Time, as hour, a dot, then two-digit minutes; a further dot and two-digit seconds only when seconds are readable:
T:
10.13
